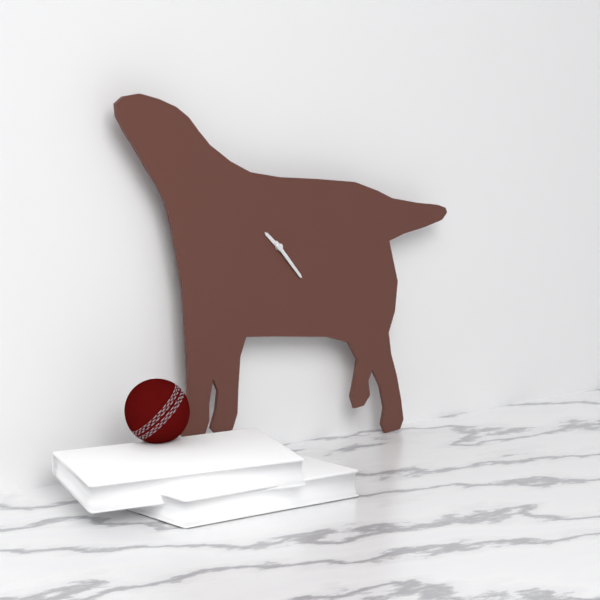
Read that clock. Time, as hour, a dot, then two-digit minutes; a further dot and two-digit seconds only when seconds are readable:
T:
10.23
